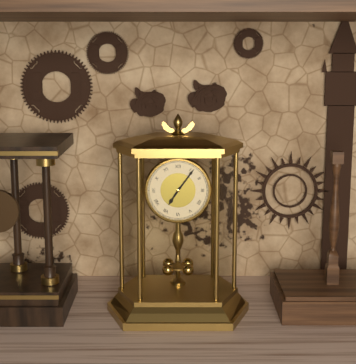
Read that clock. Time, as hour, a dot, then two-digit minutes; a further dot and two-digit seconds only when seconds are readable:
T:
7.06
